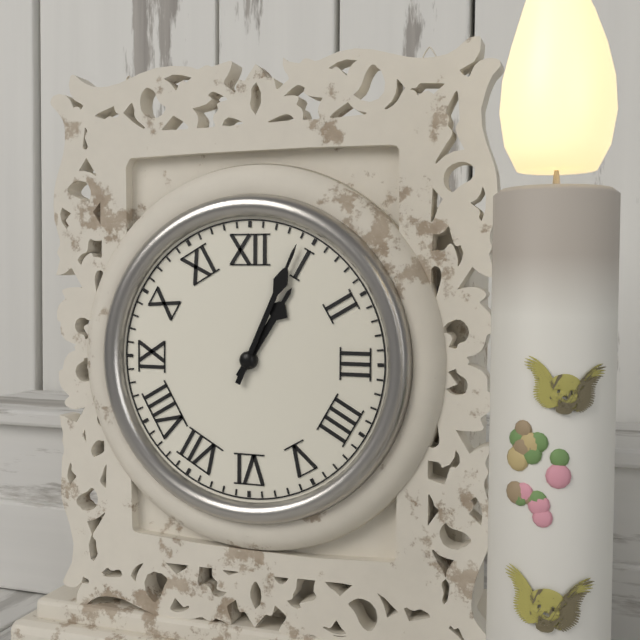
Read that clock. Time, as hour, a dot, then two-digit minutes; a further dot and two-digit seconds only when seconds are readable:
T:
1.04
